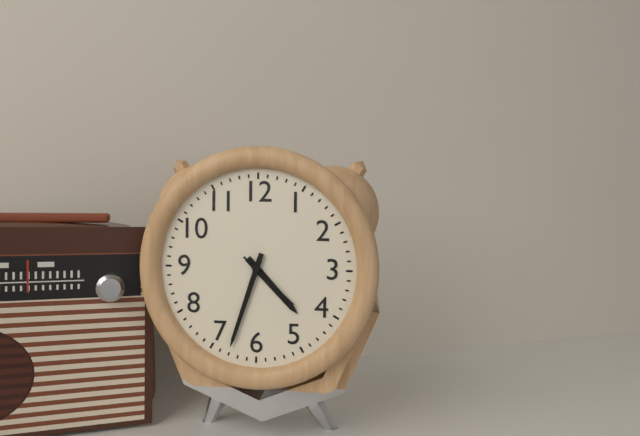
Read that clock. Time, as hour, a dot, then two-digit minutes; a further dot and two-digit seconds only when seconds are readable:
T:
4.33.22
